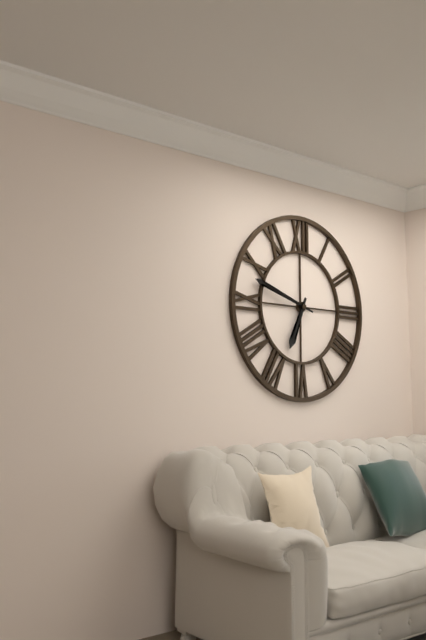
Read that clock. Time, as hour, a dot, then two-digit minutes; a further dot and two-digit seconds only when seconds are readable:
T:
6.48
